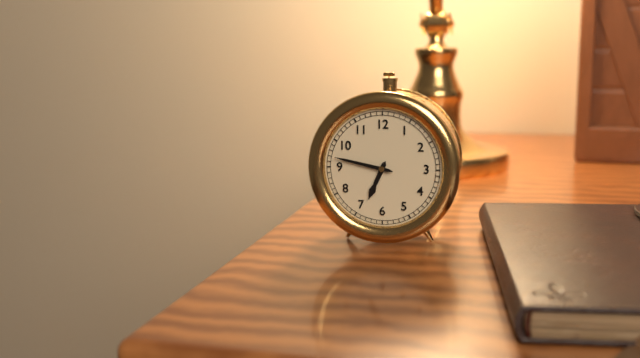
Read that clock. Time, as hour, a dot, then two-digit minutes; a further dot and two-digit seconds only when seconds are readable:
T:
6.47
